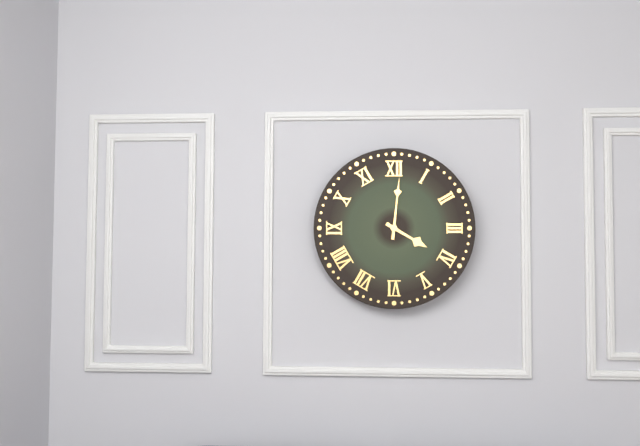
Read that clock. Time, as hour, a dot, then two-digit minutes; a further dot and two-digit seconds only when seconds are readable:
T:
4.01
